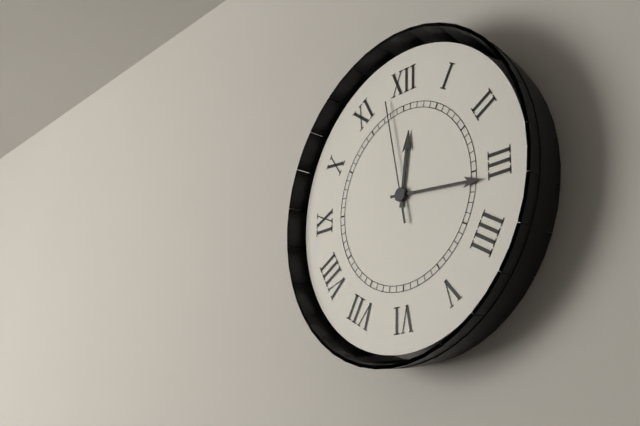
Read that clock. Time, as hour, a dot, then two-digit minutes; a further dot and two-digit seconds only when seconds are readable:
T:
12.16.58
